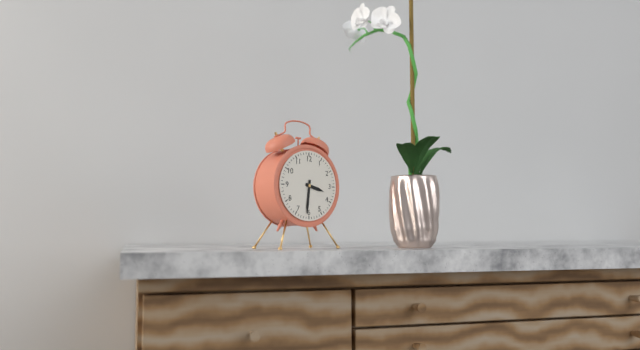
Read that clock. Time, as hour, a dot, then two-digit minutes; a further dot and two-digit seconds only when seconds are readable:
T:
3.31
